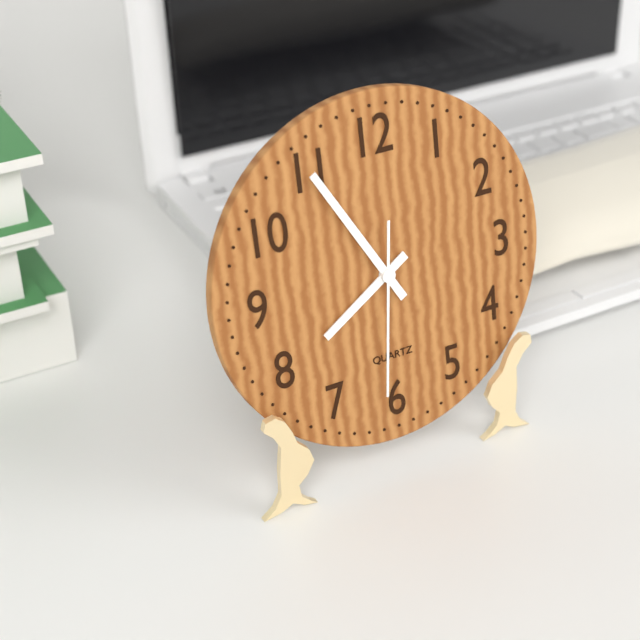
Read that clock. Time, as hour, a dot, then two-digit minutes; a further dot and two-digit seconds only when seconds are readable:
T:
7.55.31
